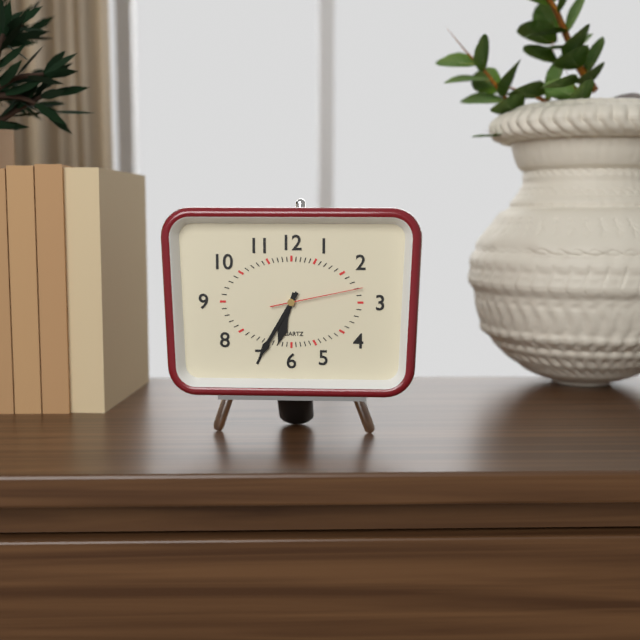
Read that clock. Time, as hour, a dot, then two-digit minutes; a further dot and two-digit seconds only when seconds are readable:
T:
6.35.13
